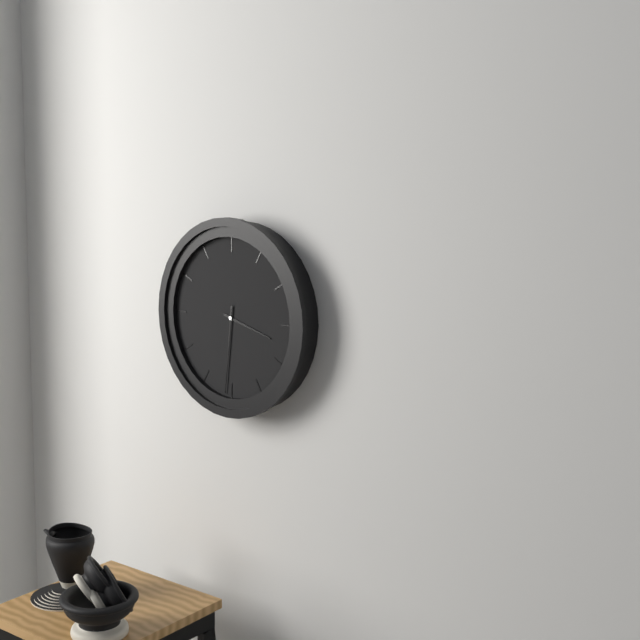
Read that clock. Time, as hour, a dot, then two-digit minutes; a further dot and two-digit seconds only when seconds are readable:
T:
3.31
